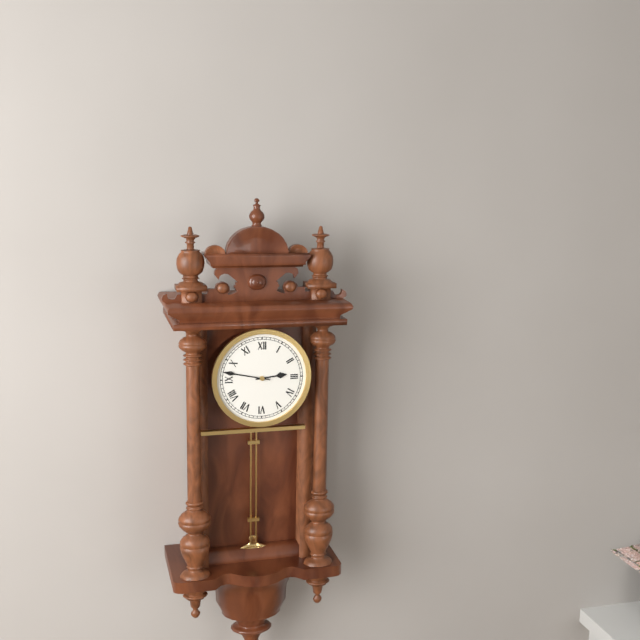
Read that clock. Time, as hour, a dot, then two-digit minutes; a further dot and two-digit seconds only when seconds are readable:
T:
2.47
